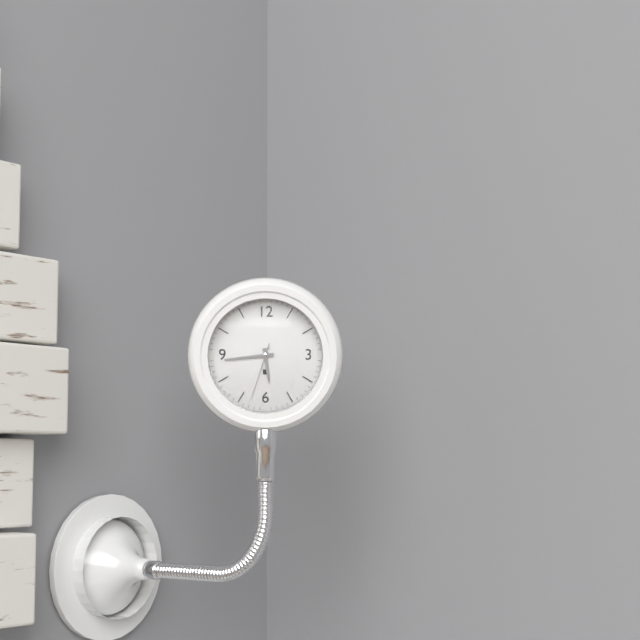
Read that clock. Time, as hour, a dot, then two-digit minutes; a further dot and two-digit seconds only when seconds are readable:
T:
5.44.33
